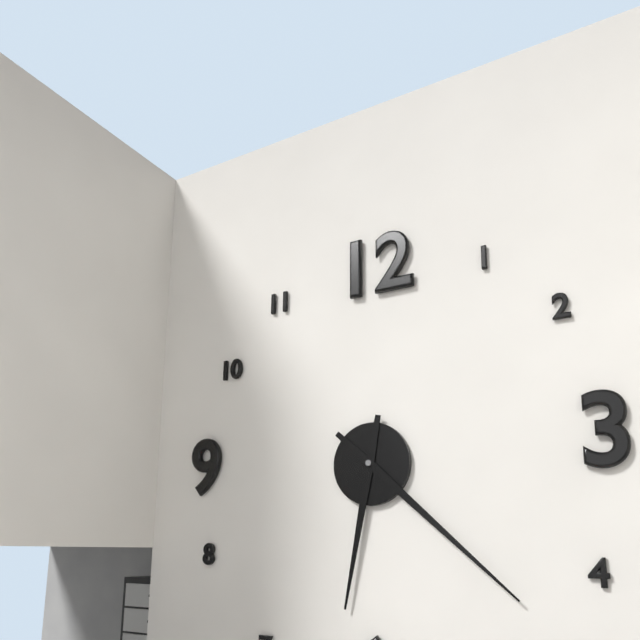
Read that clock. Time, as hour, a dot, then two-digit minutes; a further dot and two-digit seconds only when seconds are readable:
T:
6.22
